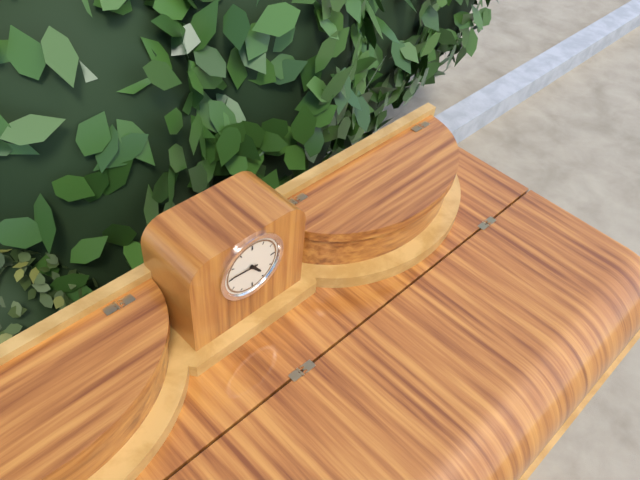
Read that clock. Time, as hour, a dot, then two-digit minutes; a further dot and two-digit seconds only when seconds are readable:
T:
4.46
